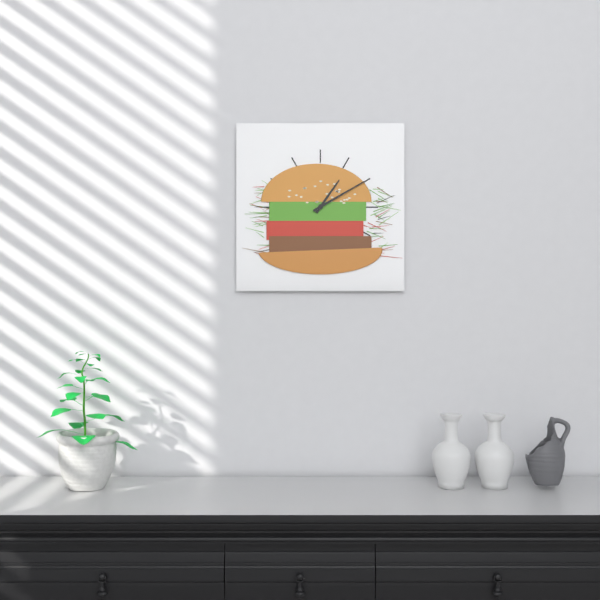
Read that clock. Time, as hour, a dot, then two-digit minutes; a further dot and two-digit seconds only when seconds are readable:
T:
1.10
